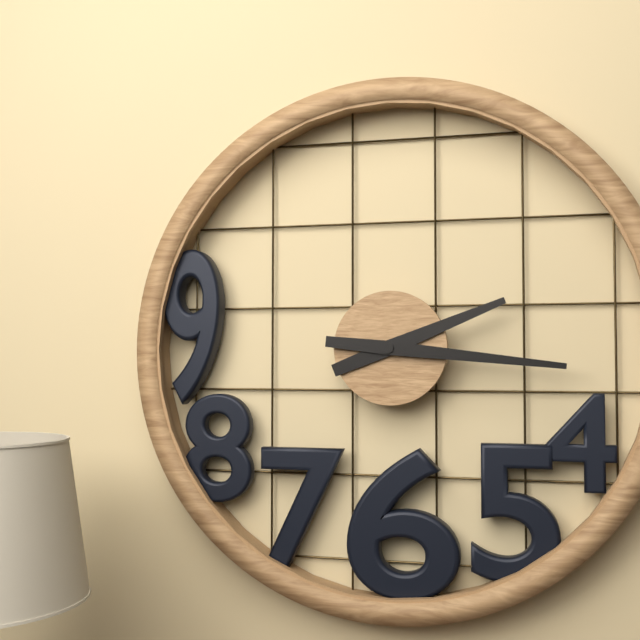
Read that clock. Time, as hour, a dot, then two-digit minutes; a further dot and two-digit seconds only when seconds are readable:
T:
2.16
